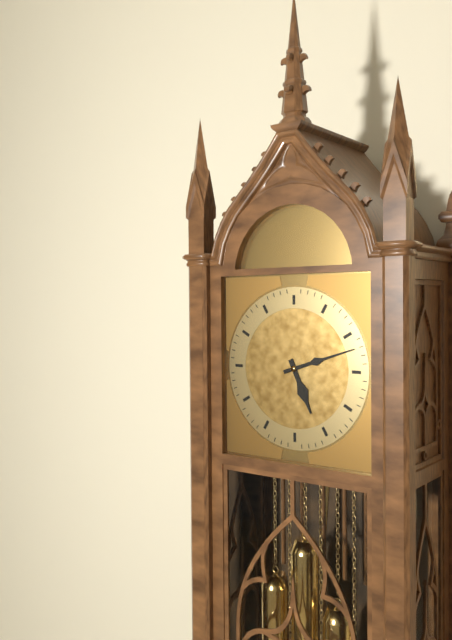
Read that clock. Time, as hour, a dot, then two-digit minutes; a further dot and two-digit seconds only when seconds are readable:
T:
5.12
